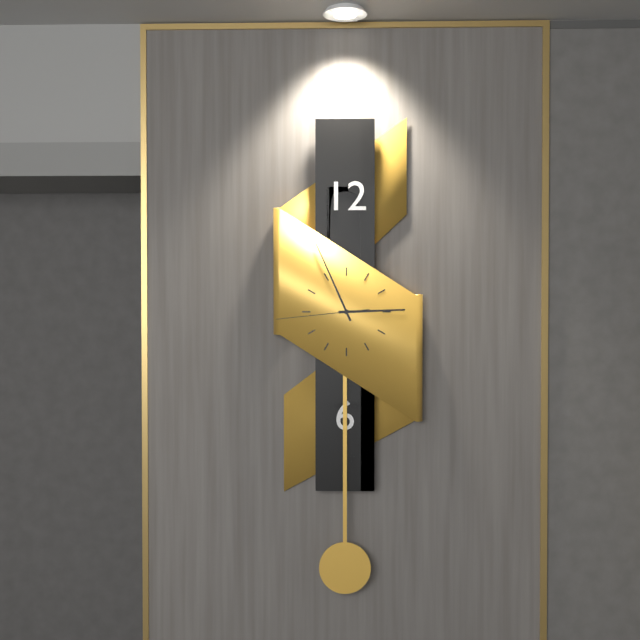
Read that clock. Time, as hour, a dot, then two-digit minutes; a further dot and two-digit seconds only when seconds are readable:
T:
2.56.44
